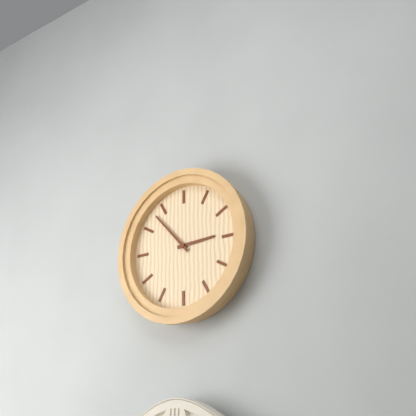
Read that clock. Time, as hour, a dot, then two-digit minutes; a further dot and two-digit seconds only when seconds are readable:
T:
2.53
